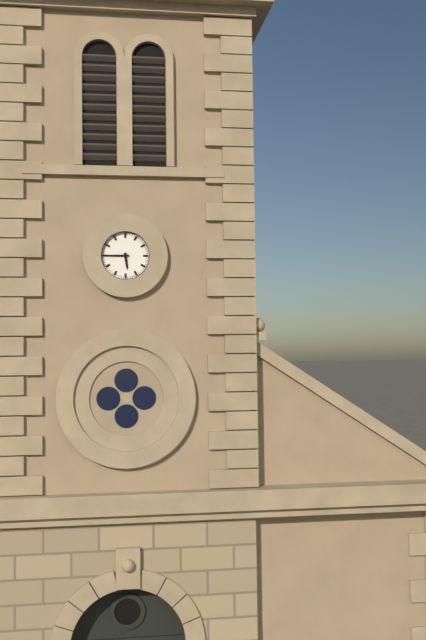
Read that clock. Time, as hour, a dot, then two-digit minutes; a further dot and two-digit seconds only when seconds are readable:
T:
5.45
